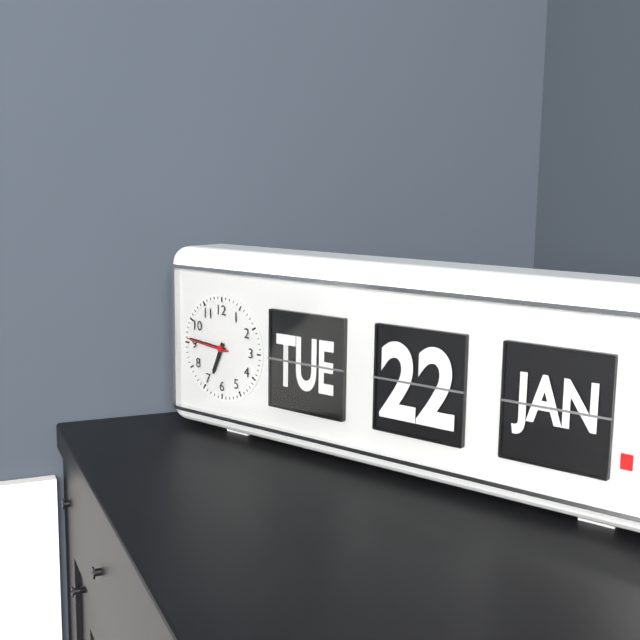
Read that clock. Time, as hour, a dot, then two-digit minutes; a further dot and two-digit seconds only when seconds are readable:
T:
6.46.46
